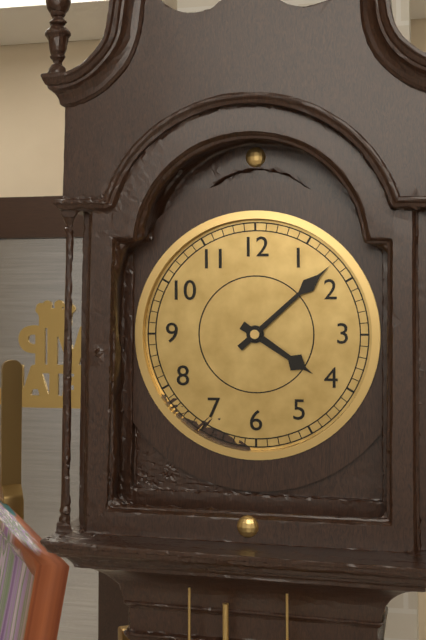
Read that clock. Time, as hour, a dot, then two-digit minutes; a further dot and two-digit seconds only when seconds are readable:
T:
4.08
